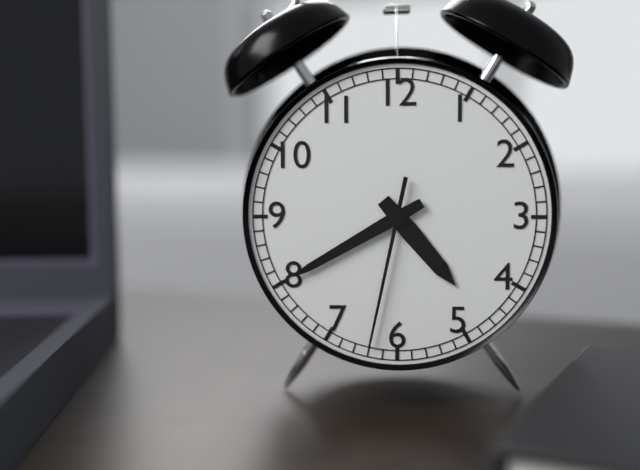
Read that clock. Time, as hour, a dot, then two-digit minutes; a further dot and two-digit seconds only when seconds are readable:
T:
4.40.32
